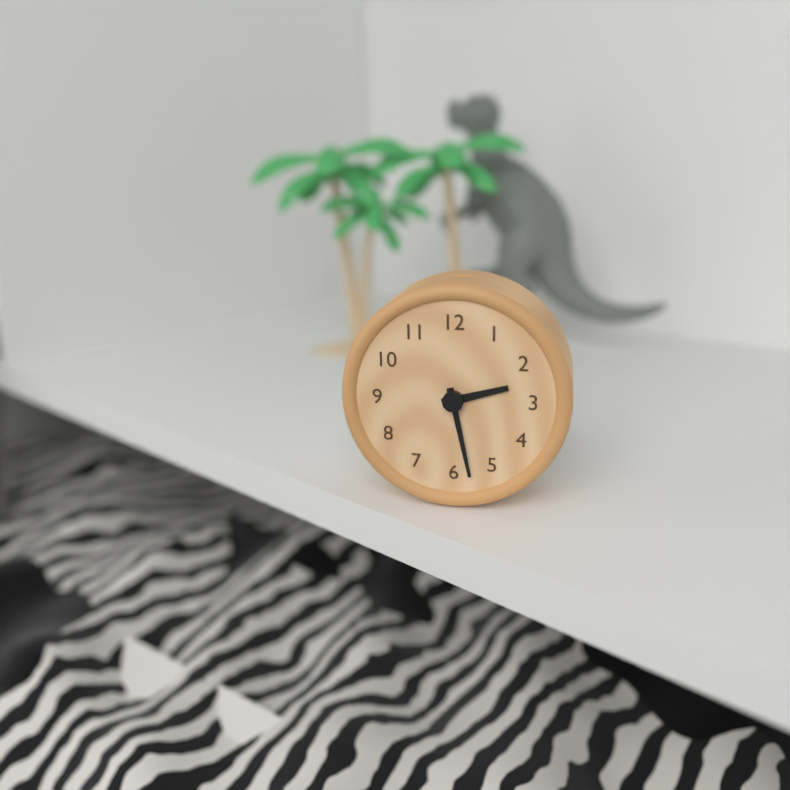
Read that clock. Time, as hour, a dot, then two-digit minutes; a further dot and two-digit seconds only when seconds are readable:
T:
2.28
